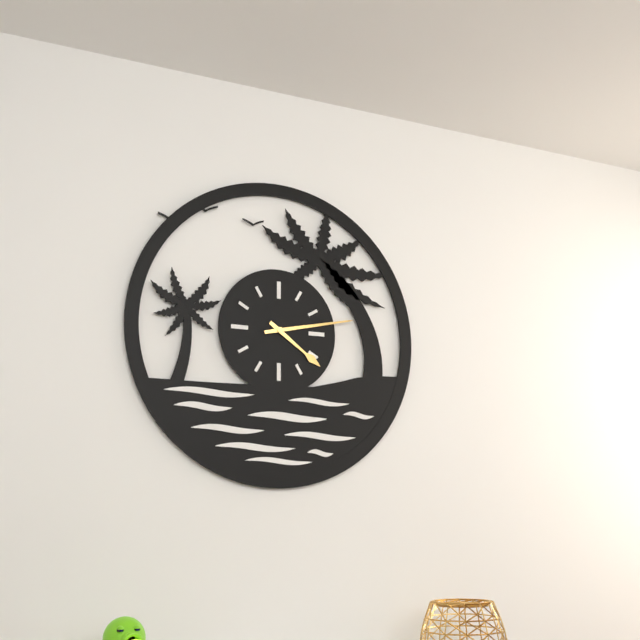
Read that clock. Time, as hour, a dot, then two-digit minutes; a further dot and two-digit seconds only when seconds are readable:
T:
4.13
